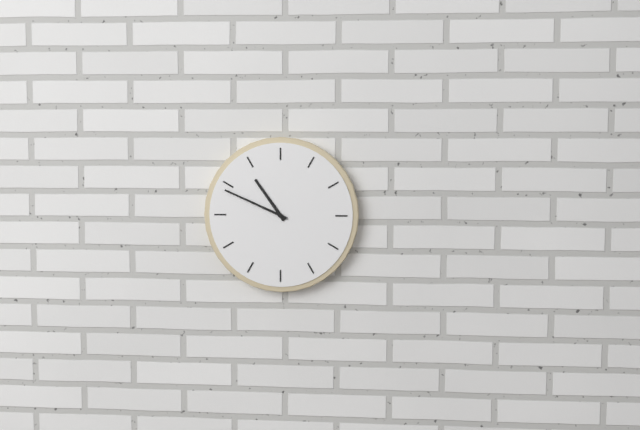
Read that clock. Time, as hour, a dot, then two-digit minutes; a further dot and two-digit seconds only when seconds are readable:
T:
10.49
